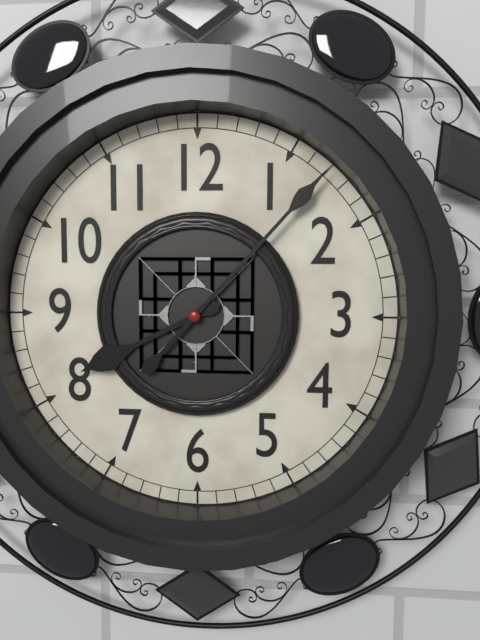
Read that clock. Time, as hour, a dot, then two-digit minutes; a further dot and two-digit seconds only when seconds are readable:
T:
8.07
